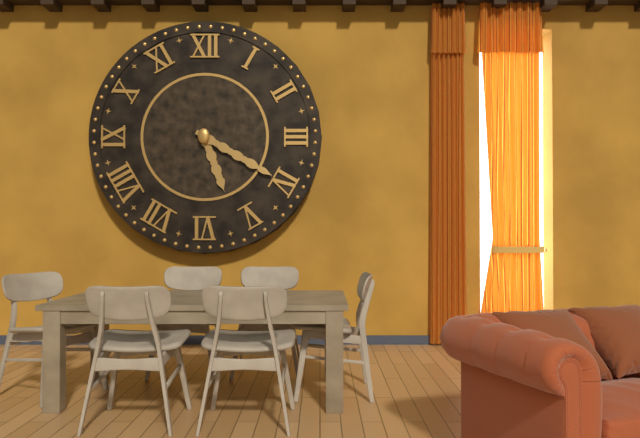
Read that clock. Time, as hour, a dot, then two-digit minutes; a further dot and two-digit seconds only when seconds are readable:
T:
5.20
